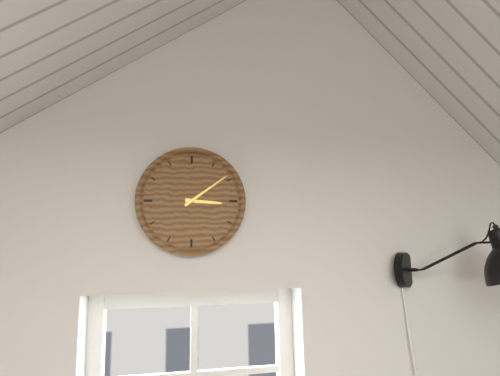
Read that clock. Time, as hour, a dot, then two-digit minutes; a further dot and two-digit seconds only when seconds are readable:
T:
3.09
